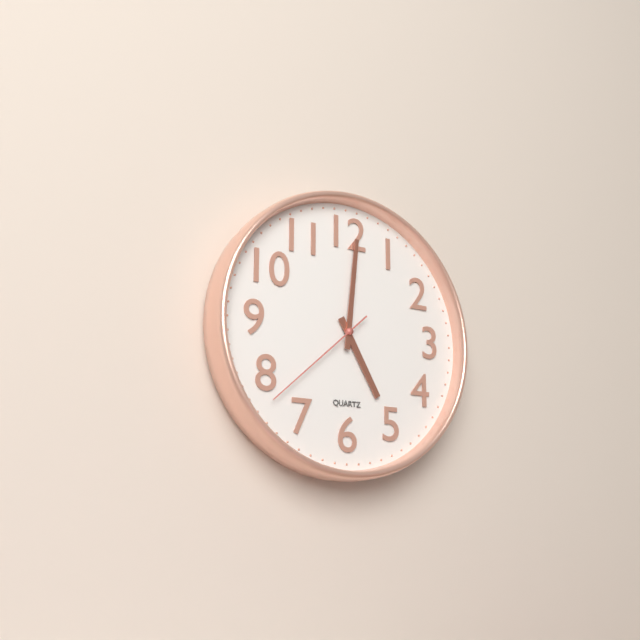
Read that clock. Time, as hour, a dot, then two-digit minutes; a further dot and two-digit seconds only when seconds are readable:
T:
5.01.38
